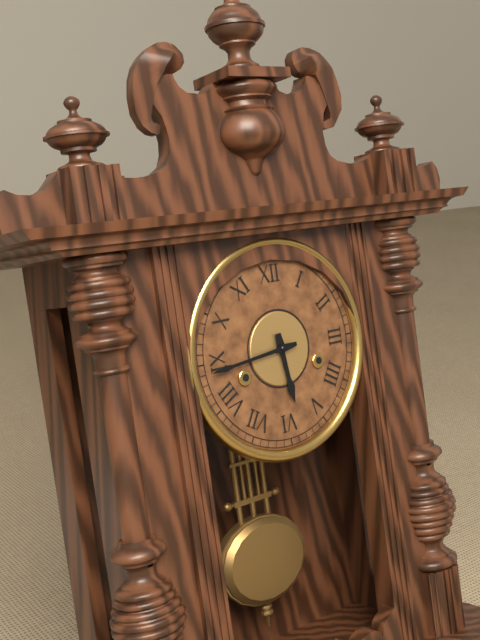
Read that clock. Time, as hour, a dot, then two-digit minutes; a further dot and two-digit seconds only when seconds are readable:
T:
5.44
